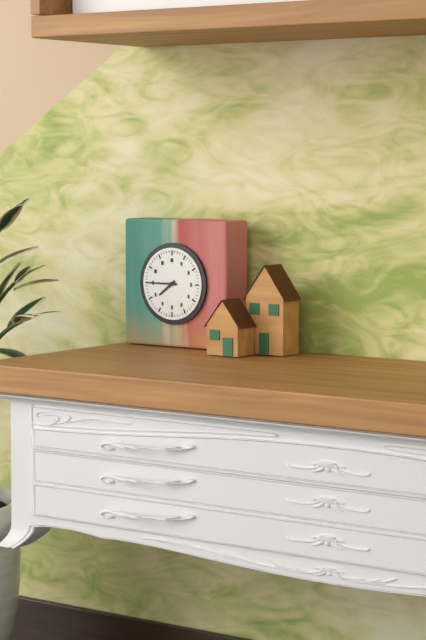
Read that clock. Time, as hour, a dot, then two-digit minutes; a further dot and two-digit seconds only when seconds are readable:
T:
7.45
